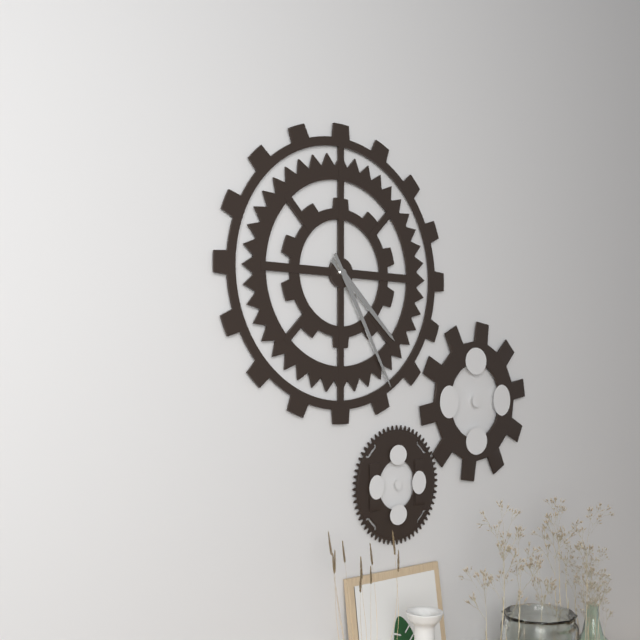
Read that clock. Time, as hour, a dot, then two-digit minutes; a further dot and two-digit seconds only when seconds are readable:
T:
4.25
